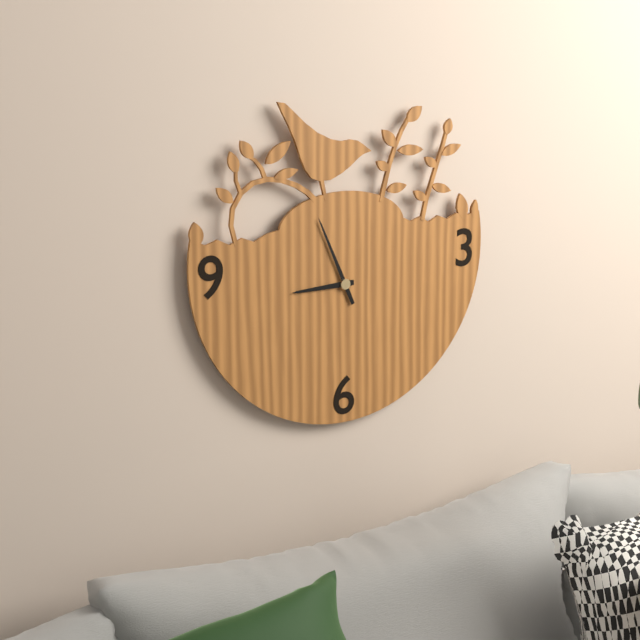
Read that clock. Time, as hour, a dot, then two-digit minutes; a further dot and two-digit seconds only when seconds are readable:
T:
8.56
